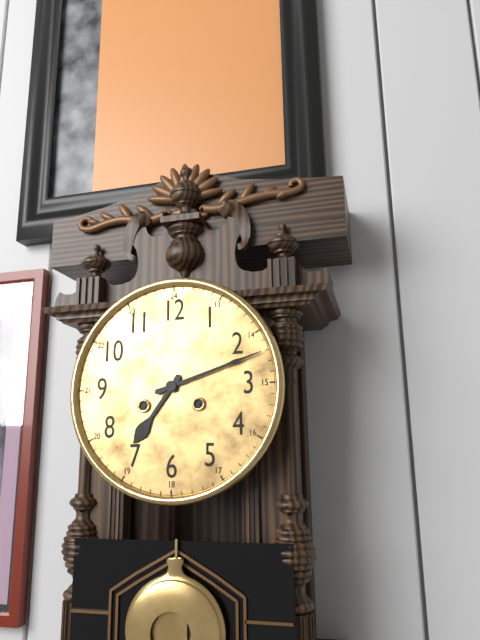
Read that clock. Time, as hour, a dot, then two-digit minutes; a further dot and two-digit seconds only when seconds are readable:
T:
7.12
